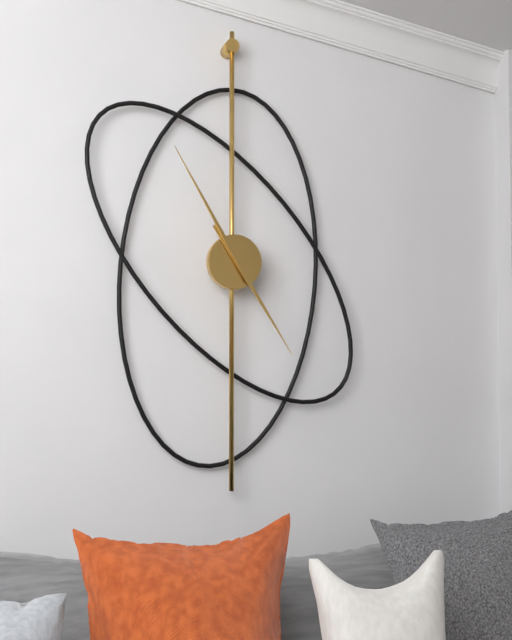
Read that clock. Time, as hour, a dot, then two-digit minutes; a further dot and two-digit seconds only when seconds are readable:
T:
4.55
